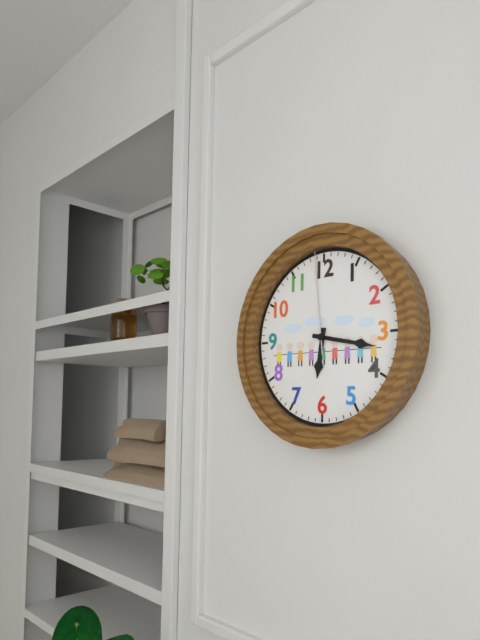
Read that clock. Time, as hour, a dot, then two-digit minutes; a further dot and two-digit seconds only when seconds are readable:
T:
6.17.59
